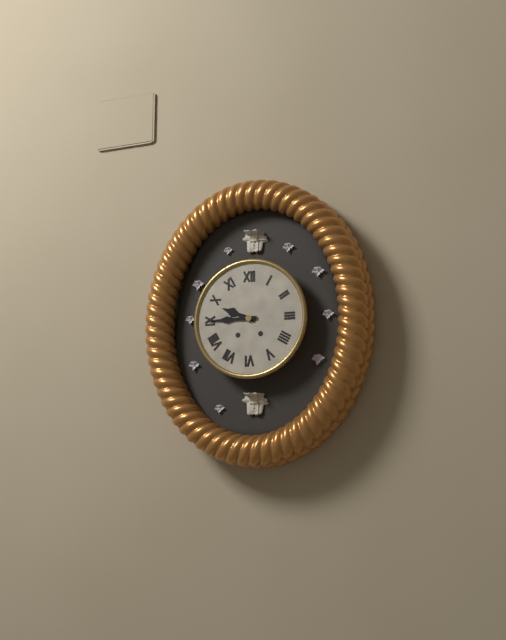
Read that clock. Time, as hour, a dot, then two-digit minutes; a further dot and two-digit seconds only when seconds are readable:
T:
9.45
